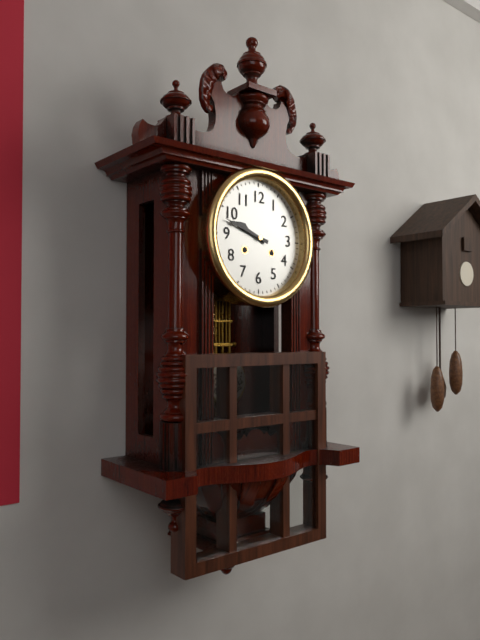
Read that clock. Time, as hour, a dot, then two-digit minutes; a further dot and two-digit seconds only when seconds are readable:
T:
9.48
